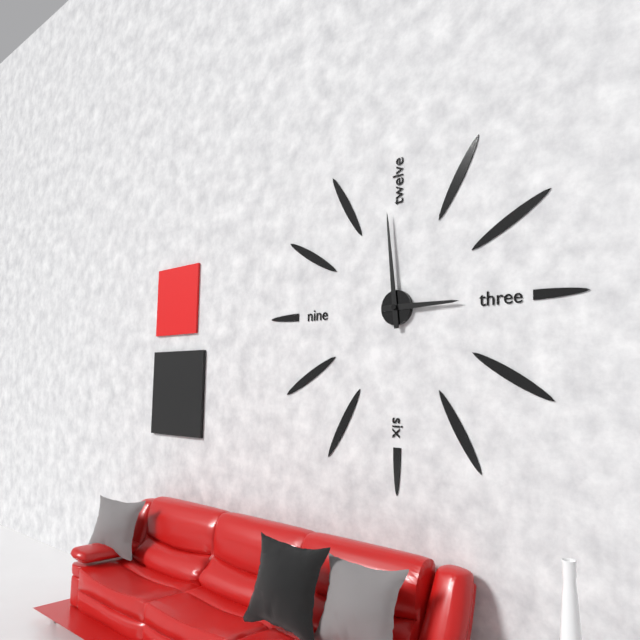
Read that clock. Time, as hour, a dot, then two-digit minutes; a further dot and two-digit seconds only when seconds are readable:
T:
2.59
